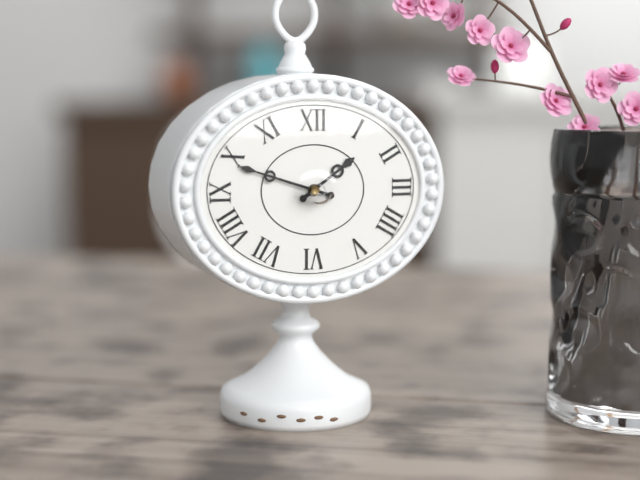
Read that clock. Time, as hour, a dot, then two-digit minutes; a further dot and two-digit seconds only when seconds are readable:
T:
1.48
